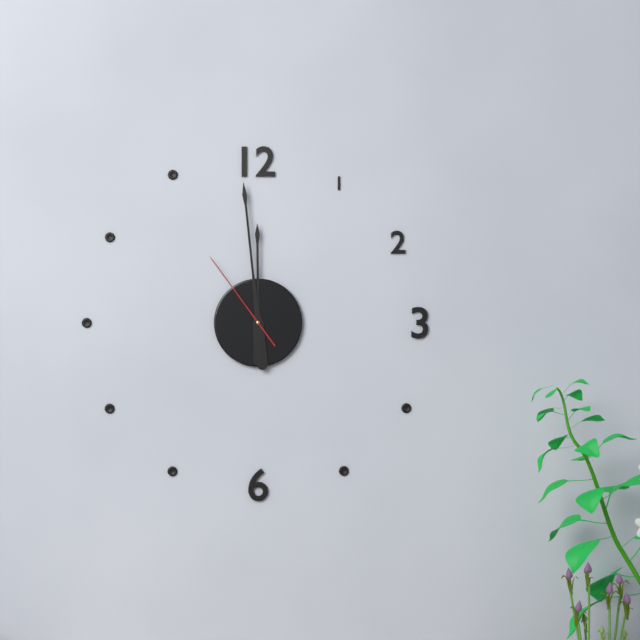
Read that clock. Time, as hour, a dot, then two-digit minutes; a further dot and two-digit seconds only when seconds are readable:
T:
11.59.54
